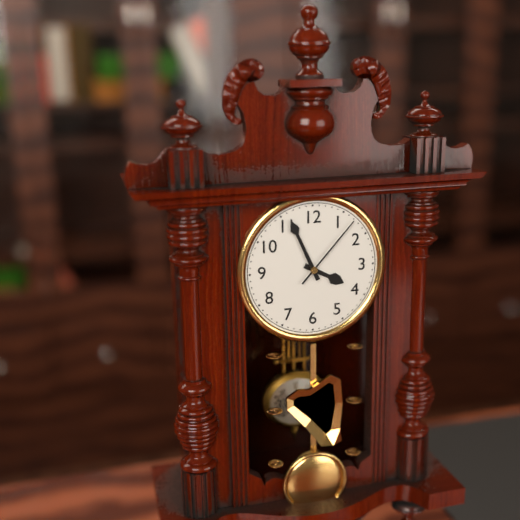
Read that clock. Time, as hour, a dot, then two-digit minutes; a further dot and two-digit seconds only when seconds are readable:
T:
3.56.07
